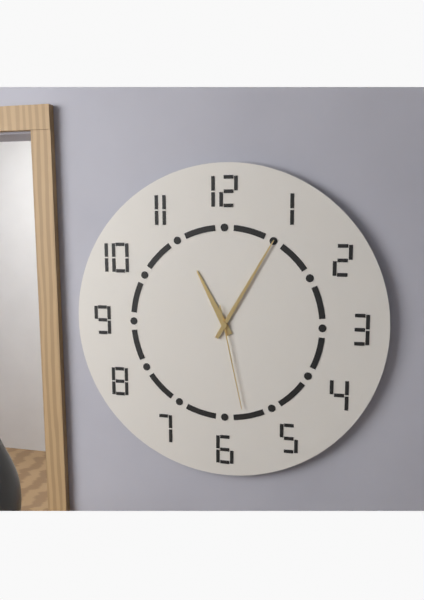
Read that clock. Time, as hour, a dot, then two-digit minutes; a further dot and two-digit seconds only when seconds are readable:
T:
11.05.28
